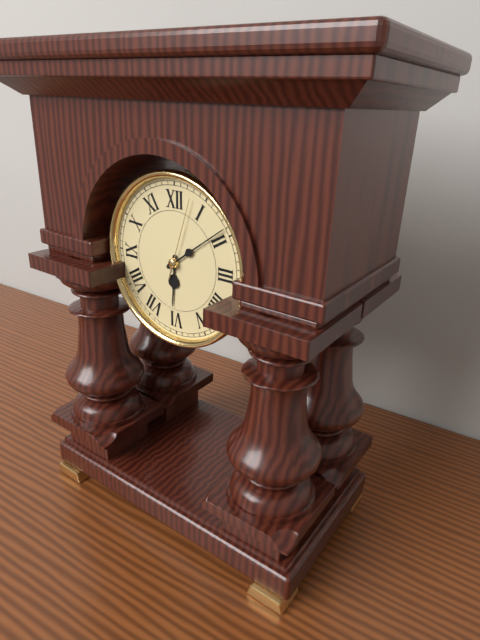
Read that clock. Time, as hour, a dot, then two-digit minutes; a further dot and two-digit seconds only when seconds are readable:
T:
6.09.03
